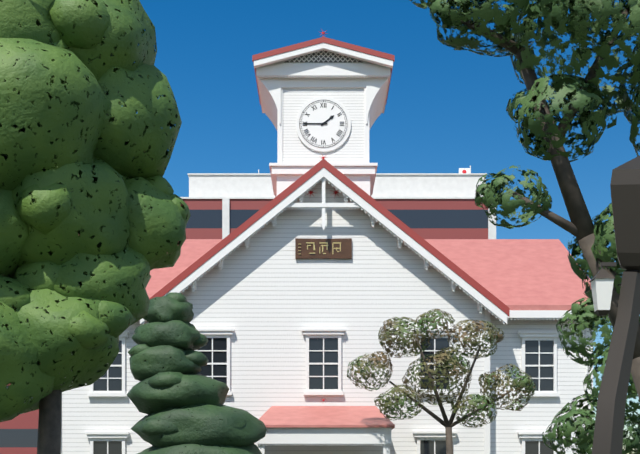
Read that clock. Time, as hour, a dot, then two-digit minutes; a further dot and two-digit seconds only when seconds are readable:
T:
1.45
